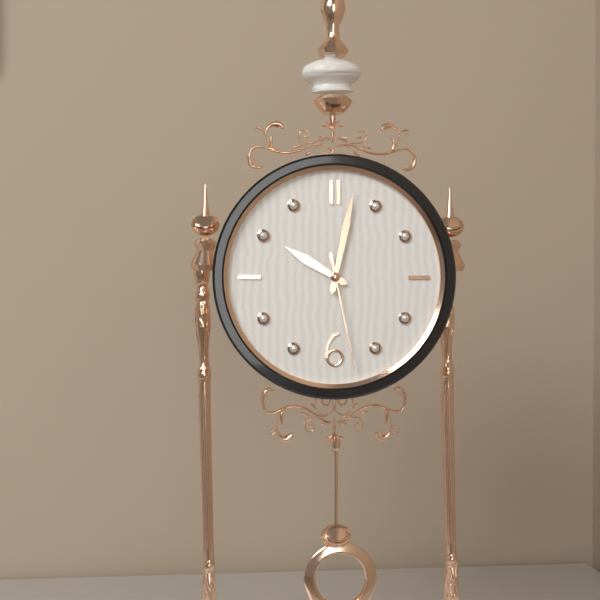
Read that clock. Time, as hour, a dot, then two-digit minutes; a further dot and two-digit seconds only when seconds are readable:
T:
10.02.28
